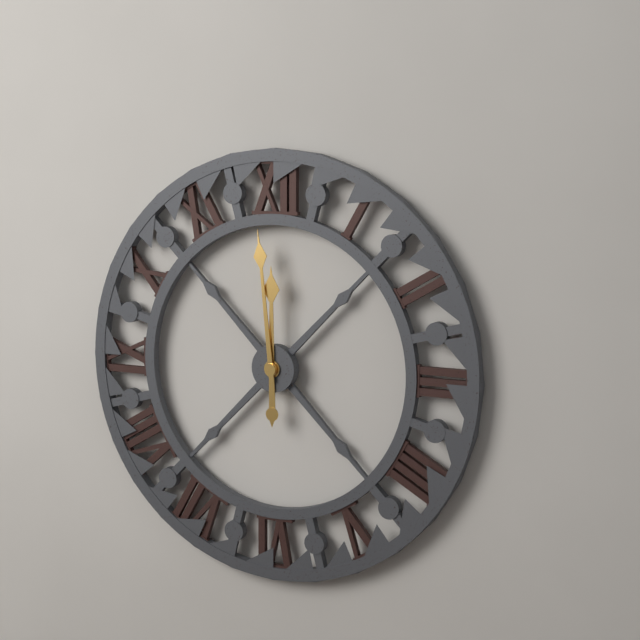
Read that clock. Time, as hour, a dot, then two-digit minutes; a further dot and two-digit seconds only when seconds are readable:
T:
11.59
